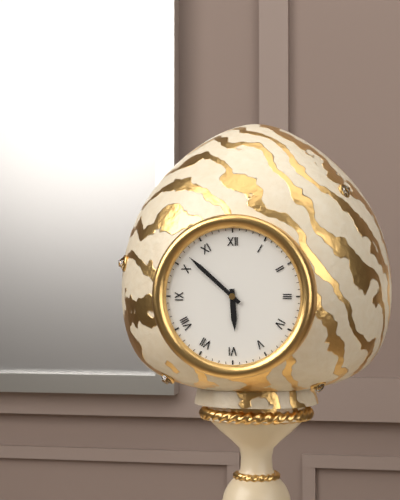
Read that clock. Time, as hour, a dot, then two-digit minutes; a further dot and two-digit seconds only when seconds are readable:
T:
5.52
